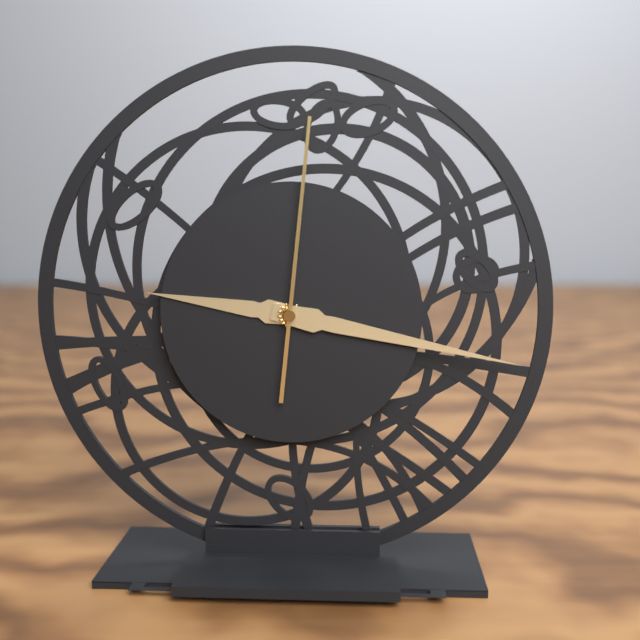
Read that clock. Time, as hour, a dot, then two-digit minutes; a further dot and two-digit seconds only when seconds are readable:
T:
9.17.01
